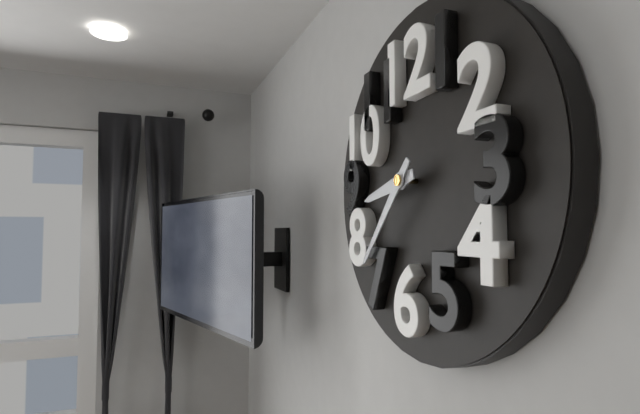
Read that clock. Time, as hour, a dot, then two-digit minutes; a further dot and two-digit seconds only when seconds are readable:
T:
8.37
